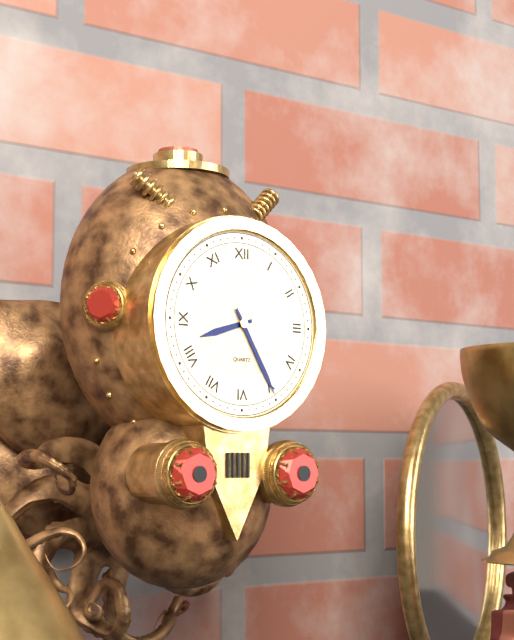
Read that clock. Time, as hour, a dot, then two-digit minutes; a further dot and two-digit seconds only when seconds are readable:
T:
8.25
